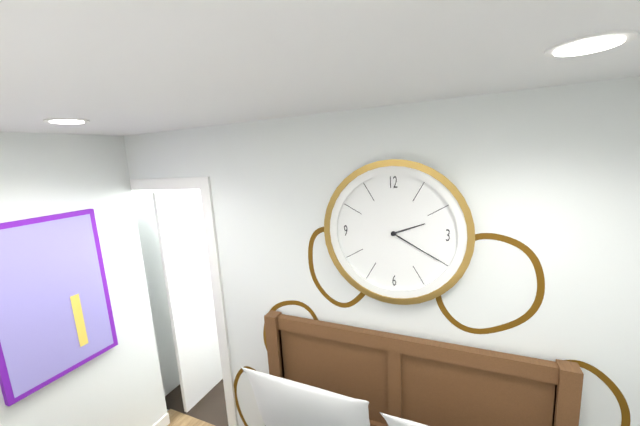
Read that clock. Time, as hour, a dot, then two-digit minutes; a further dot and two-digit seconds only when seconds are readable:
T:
2.20
